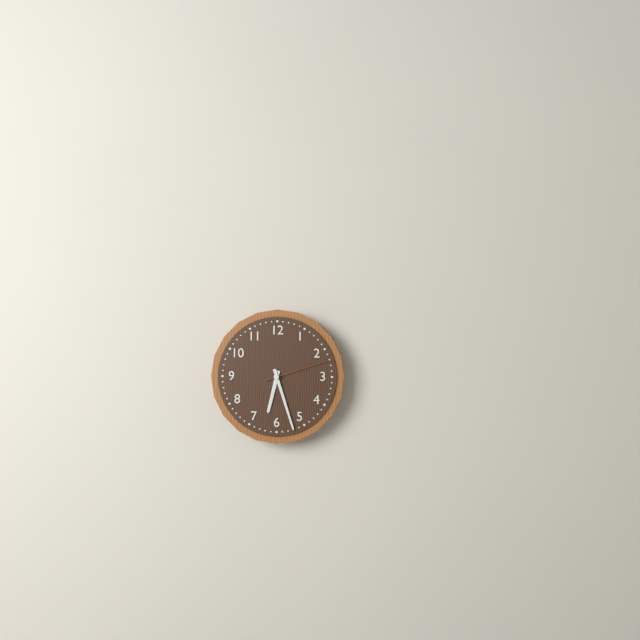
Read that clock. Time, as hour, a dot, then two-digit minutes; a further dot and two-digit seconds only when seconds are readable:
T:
6.27.12
